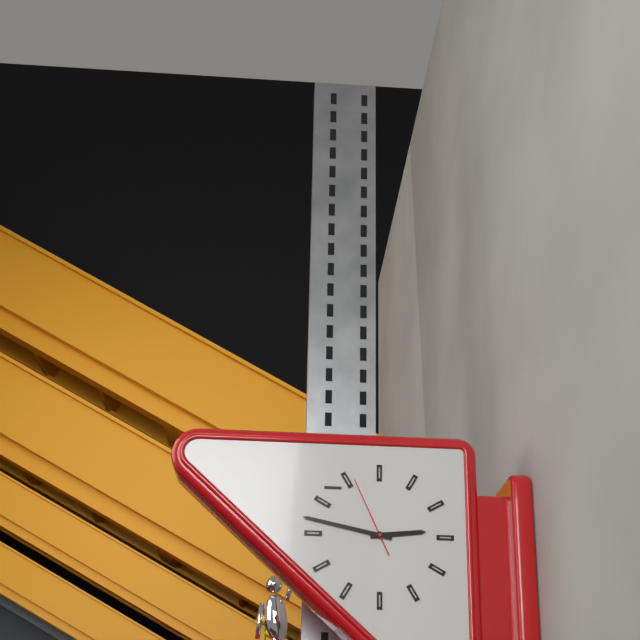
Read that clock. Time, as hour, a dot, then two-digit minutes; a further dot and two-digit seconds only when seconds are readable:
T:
2.47.56
